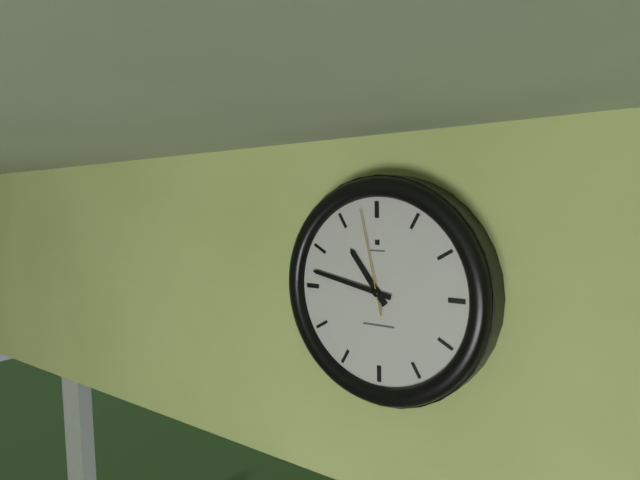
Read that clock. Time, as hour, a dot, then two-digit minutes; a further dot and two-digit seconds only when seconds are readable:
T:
10.47.58
